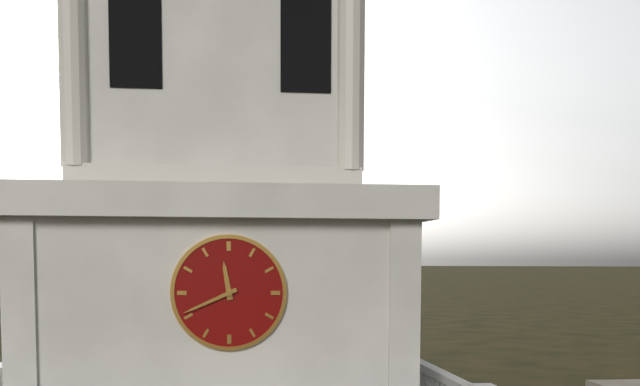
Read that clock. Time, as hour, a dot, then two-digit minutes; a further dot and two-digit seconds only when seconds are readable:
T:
11.41
